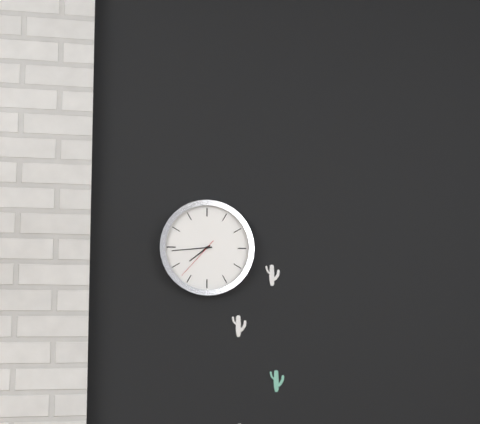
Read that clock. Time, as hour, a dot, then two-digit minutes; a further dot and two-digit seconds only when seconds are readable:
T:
7.44
